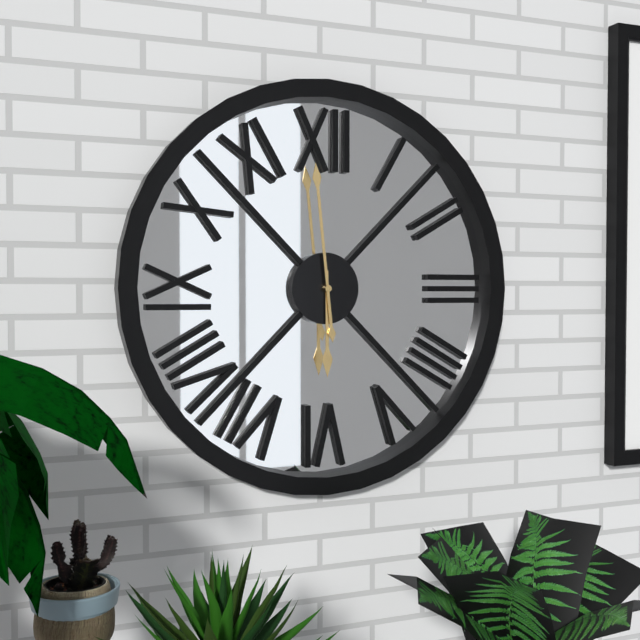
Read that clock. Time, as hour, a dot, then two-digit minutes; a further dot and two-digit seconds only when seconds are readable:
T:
5.59
